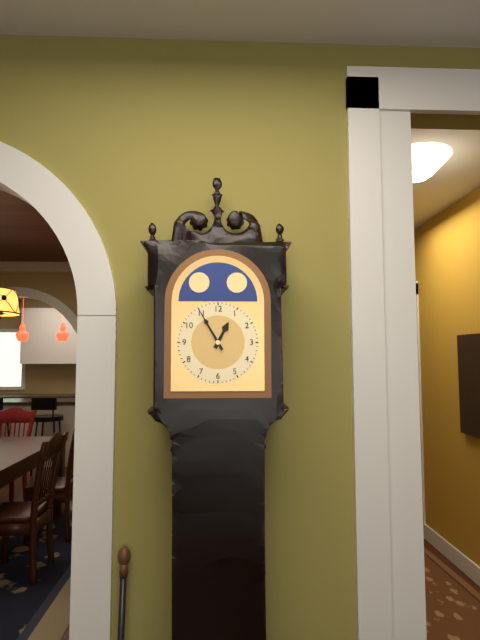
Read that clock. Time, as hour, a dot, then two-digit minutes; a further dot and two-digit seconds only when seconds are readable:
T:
12.55
